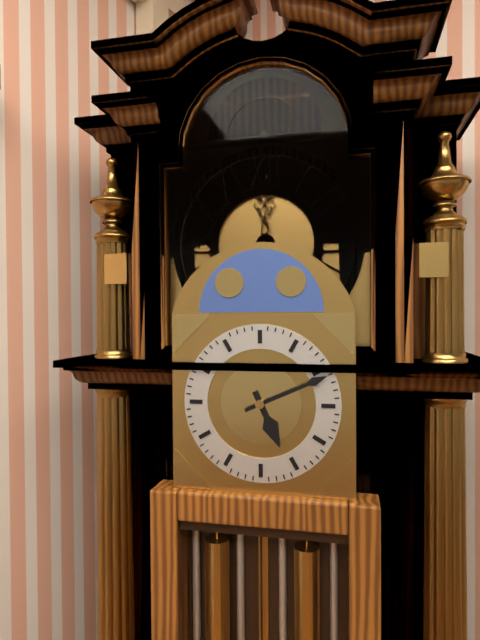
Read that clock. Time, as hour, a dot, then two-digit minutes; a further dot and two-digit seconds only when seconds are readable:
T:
5.11
